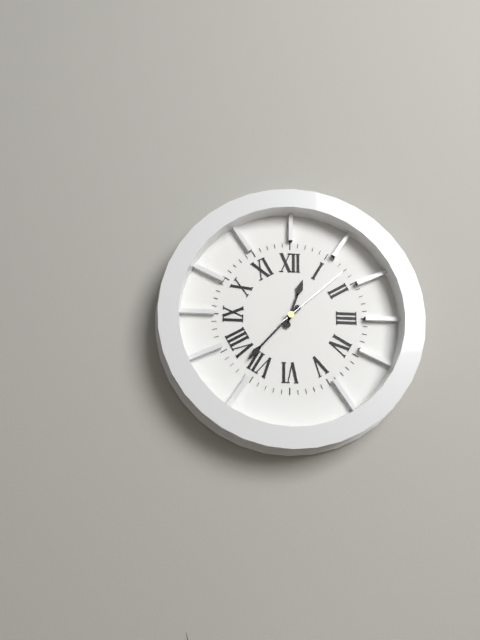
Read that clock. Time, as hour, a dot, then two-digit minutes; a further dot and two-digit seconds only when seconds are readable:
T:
12.37.08
